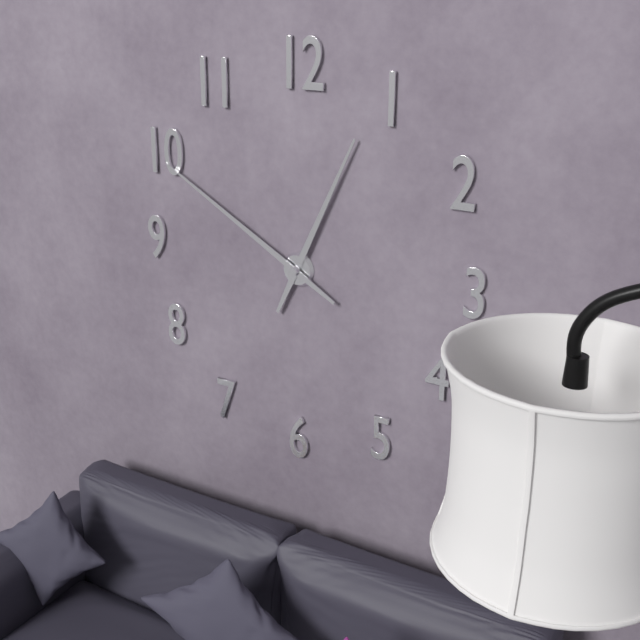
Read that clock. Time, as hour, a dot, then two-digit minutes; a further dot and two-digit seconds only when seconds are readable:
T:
12.50
